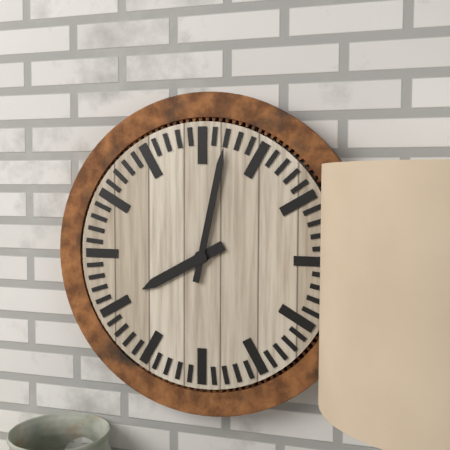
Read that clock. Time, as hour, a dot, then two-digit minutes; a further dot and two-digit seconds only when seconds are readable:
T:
8.02
